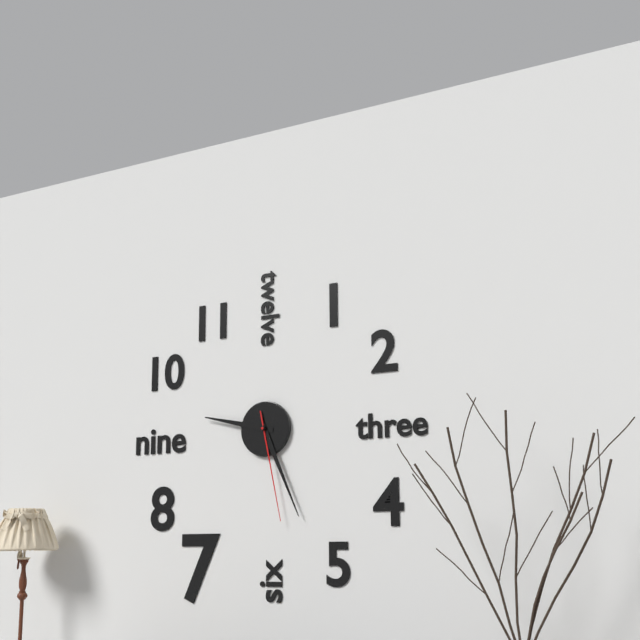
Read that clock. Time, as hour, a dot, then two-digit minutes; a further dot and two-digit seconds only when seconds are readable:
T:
9.26.28
